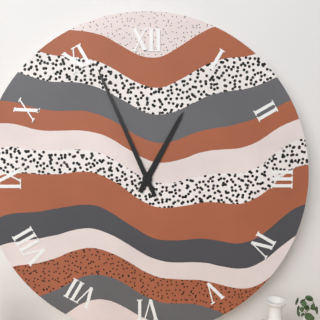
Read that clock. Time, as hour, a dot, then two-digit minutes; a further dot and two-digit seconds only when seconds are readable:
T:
12.56
